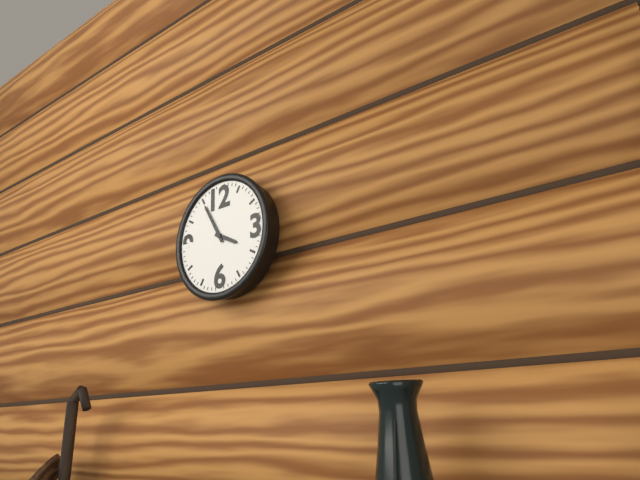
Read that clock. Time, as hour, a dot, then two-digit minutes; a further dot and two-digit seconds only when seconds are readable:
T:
3.55
